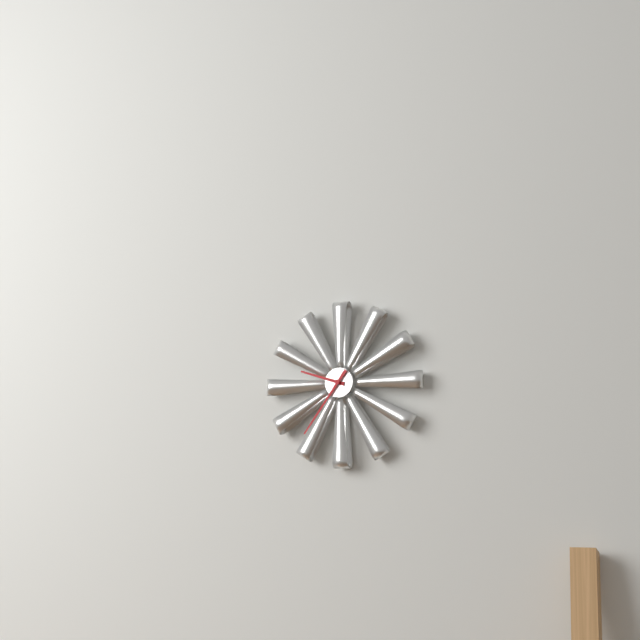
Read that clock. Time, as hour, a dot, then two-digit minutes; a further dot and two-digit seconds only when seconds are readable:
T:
9.36
